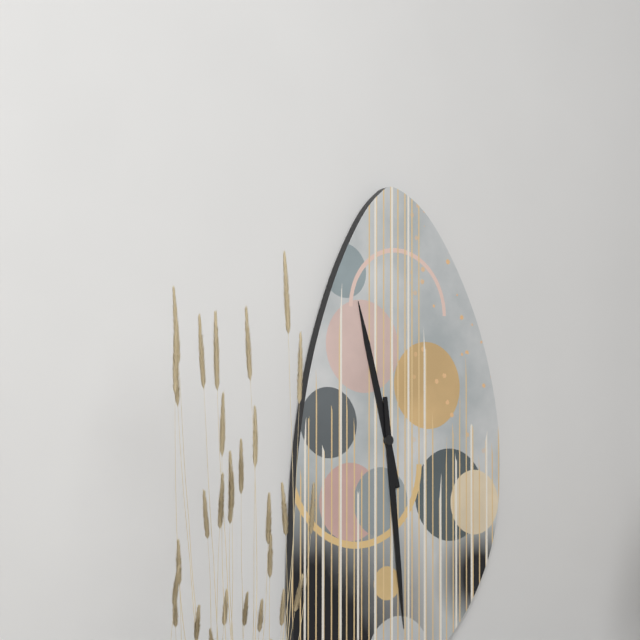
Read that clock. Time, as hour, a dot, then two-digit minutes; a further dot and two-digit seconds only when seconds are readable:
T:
11.29
